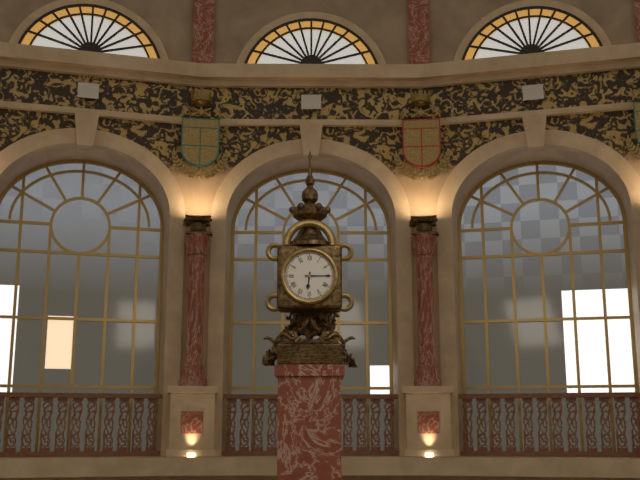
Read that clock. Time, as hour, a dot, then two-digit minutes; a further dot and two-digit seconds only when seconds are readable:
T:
6.15
